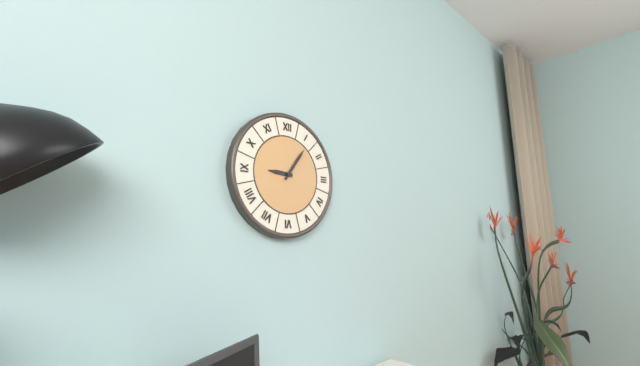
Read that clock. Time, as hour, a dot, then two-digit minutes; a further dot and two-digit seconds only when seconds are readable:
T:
9.06
